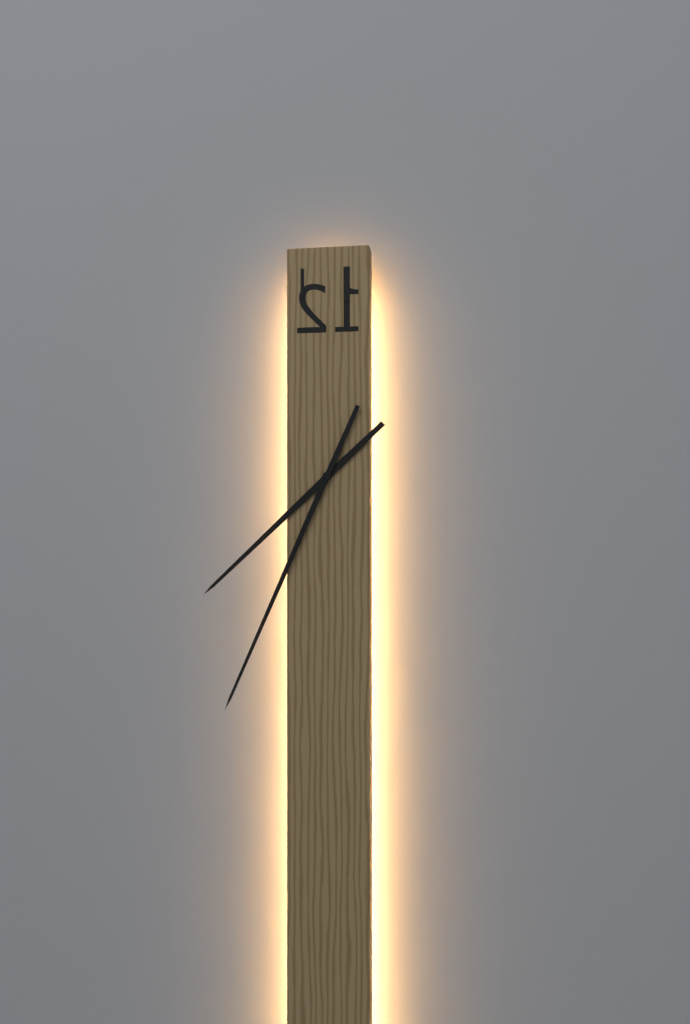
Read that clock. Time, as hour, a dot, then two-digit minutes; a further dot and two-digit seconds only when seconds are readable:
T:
7.34
